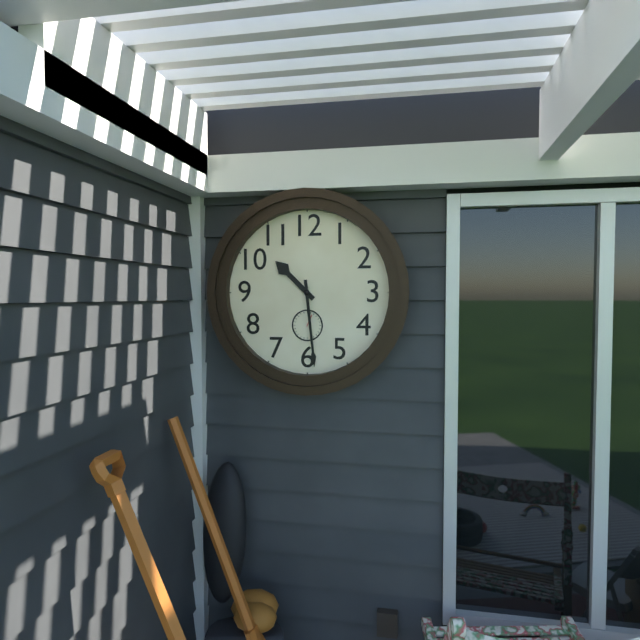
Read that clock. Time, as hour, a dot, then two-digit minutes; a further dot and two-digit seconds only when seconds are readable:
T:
10.29
